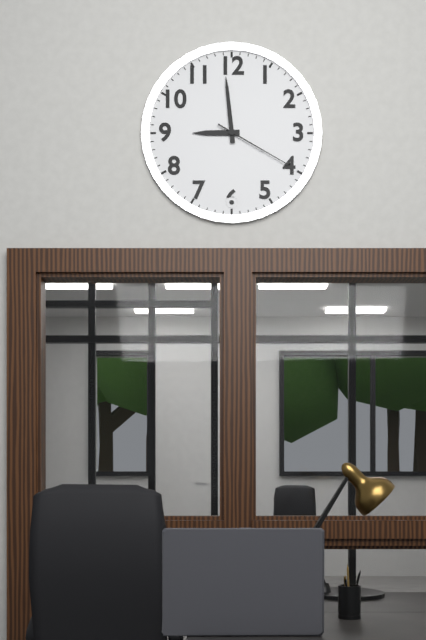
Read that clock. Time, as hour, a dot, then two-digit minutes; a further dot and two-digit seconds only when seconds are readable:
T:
8.59.20
